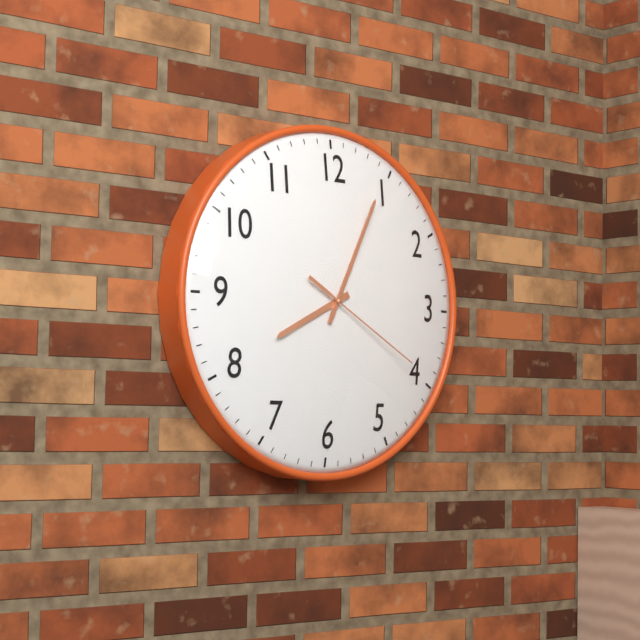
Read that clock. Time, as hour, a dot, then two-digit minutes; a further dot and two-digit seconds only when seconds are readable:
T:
8.04.20
